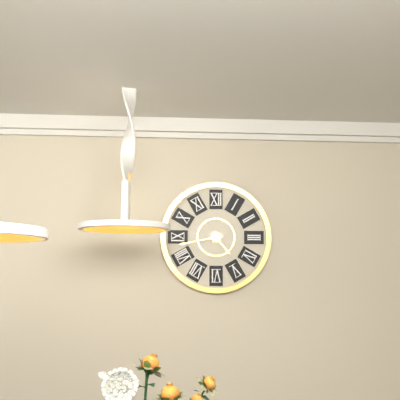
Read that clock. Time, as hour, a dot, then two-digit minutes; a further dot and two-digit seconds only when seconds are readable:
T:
4.43
